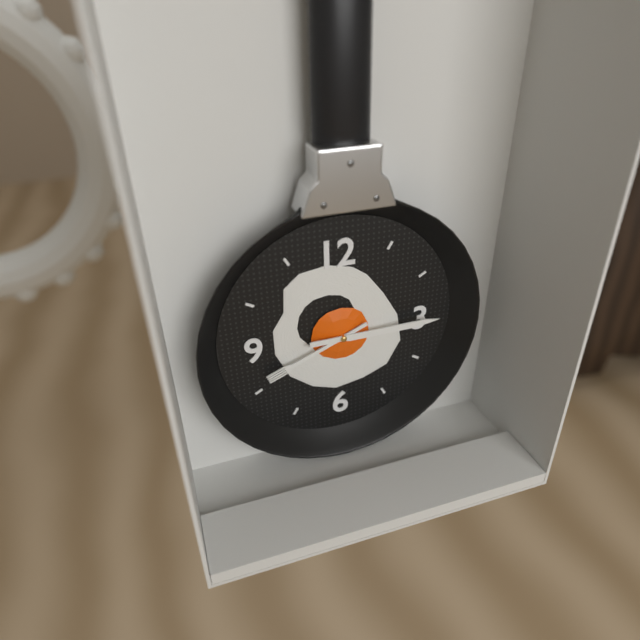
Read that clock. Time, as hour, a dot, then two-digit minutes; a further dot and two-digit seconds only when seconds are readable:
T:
8.15
